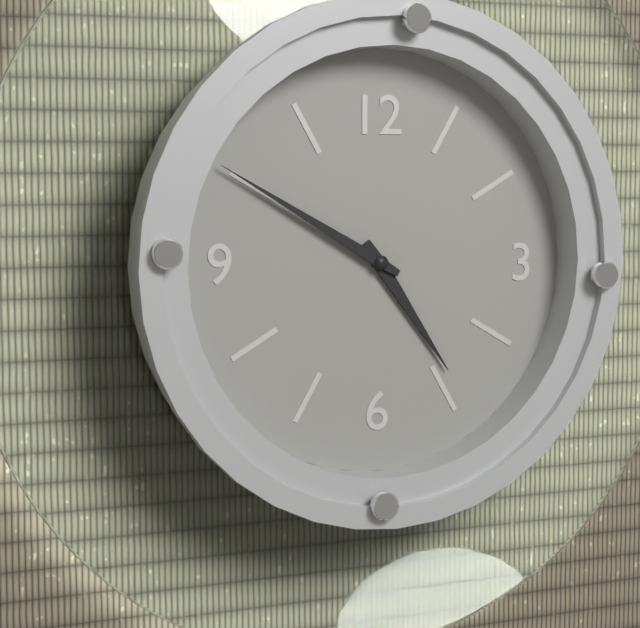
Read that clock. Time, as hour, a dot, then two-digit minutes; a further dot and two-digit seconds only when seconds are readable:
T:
4.50
